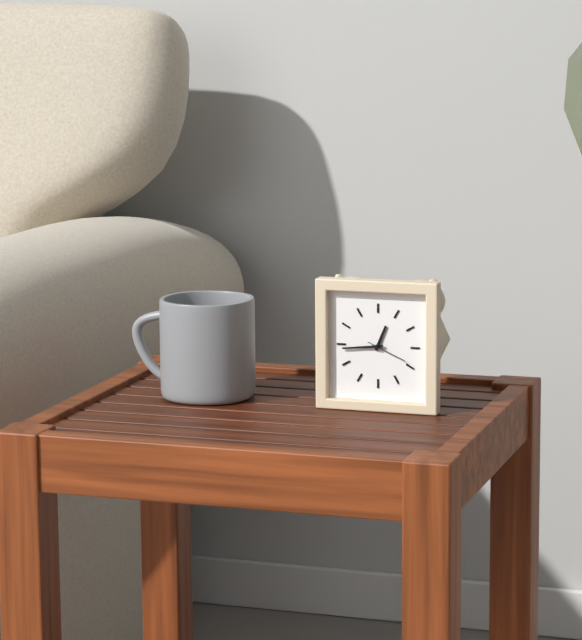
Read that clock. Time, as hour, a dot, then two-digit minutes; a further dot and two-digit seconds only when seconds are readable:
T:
12.44
